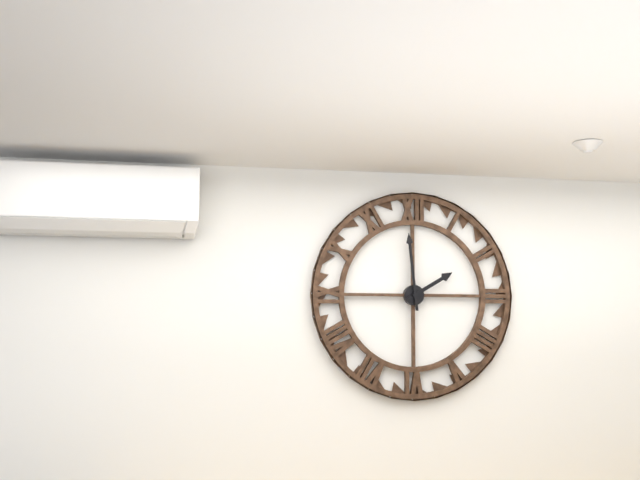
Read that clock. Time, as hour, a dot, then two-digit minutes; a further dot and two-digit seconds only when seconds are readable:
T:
1.59
